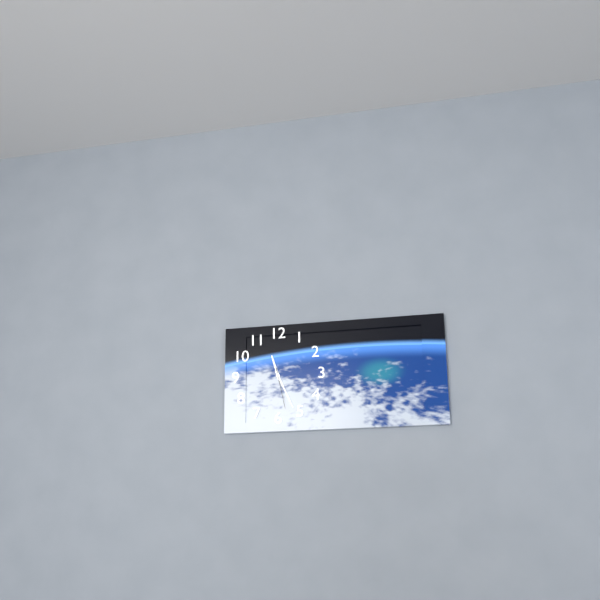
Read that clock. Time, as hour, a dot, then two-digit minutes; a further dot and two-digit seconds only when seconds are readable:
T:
11.26
